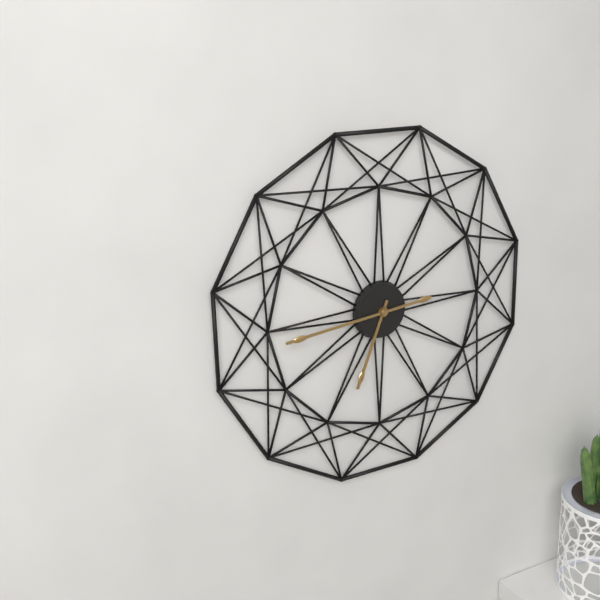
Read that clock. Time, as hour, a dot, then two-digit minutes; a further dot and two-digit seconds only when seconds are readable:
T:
6.44
